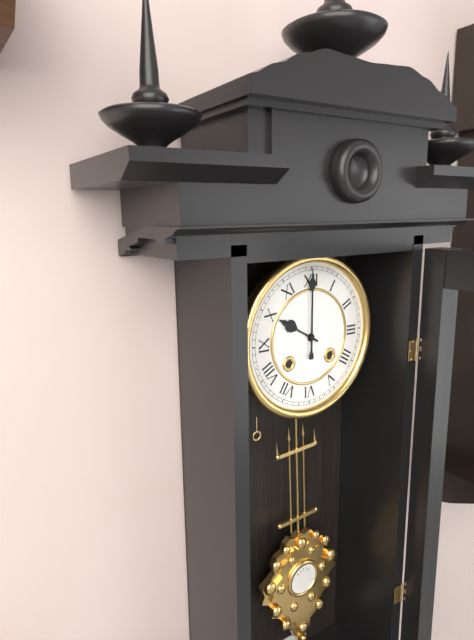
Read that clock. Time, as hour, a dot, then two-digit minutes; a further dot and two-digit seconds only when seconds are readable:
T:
10.00
